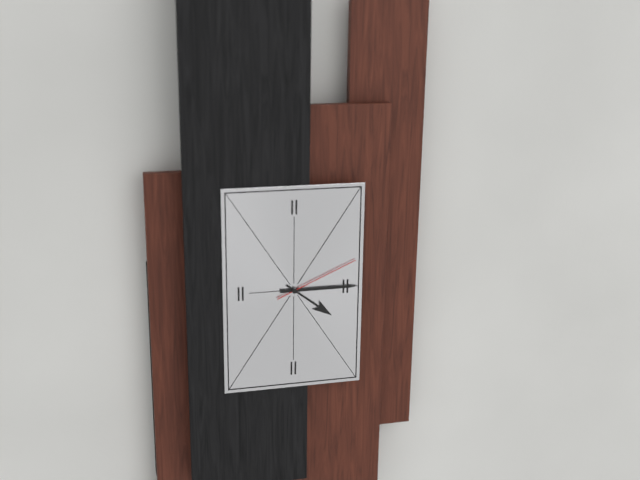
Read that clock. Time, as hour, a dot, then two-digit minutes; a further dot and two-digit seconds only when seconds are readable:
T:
4.15.11
